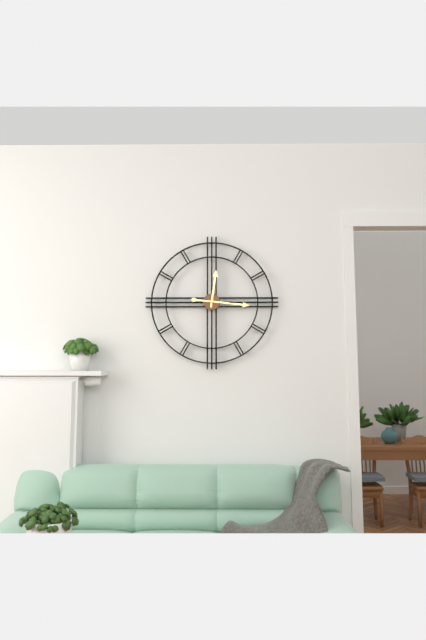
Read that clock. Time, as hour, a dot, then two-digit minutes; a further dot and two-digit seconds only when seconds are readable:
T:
12.16
